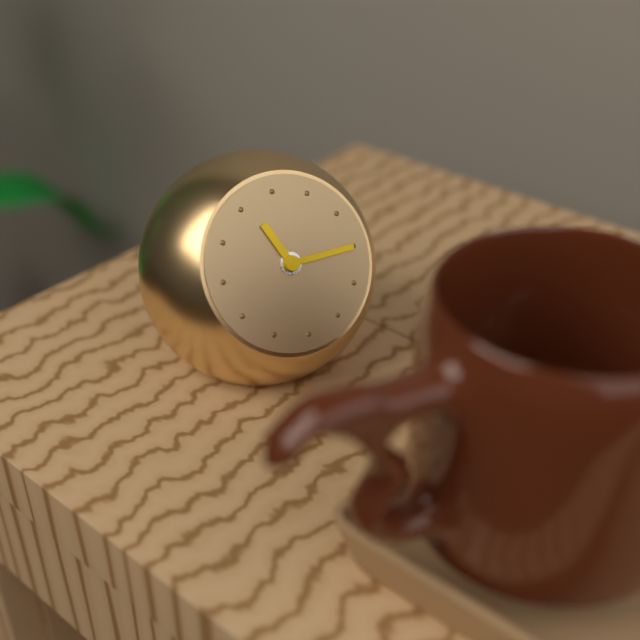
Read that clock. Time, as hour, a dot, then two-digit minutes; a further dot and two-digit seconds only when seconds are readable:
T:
11.15
